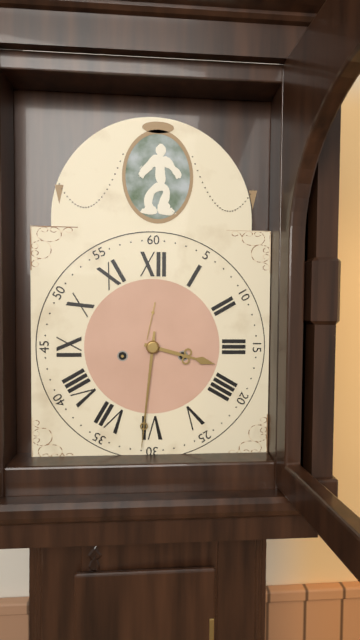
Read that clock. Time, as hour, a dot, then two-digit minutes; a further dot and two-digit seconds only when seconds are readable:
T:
3.31
